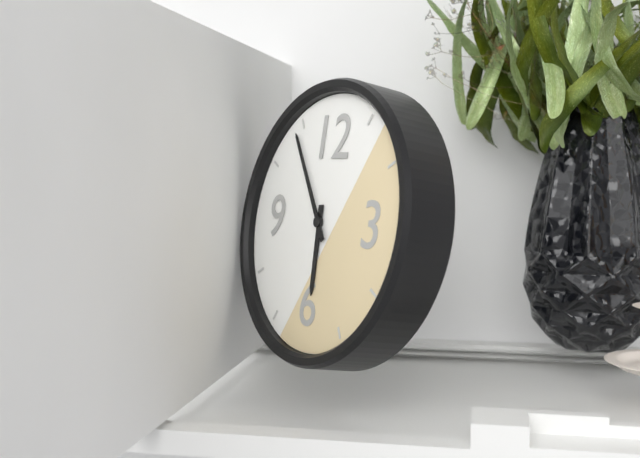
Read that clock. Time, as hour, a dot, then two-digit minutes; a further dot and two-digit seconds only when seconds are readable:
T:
5.54
